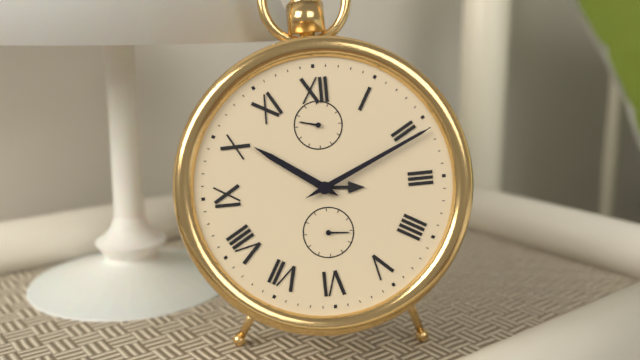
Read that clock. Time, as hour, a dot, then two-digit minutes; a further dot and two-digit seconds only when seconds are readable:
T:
10.11
